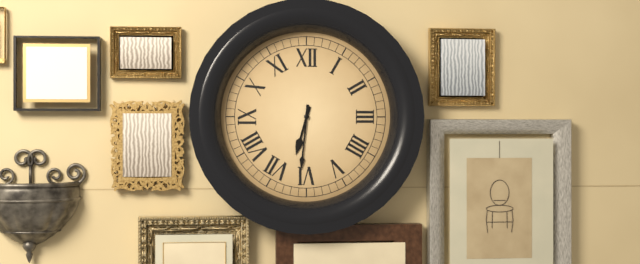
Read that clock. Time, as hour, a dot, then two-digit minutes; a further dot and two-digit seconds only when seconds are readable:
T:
6.31
